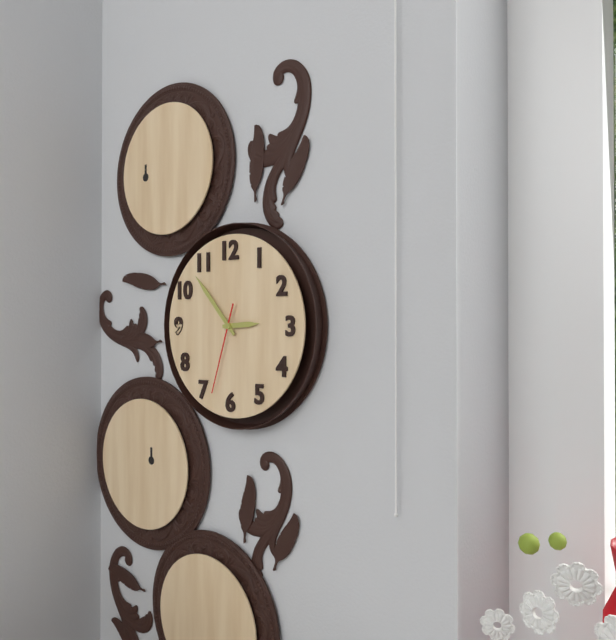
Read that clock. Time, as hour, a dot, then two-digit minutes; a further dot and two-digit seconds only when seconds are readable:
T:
2.53.33
